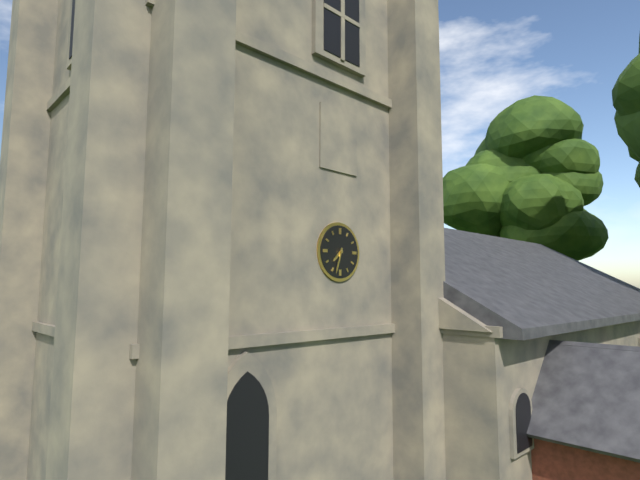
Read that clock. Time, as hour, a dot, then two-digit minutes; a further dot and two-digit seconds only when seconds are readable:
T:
7.33
